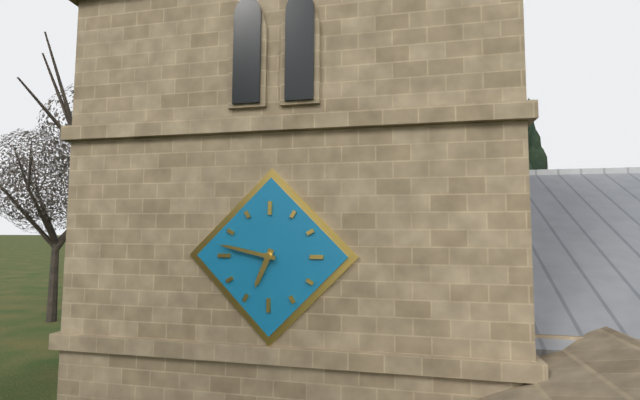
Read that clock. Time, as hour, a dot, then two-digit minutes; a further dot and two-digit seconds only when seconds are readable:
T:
6.47
